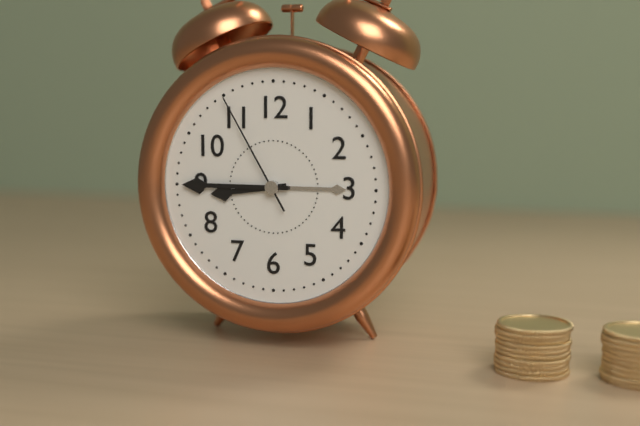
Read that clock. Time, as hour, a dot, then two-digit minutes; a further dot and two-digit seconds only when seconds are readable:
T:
8.45.55
